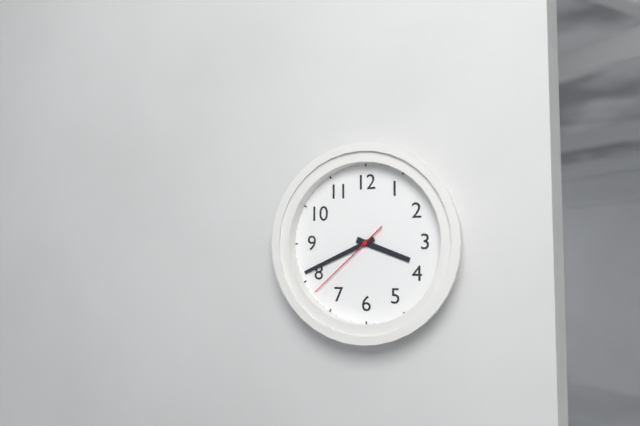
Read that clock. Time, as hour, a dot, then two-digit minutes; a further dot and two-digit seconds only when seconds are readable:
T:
3.41.38
